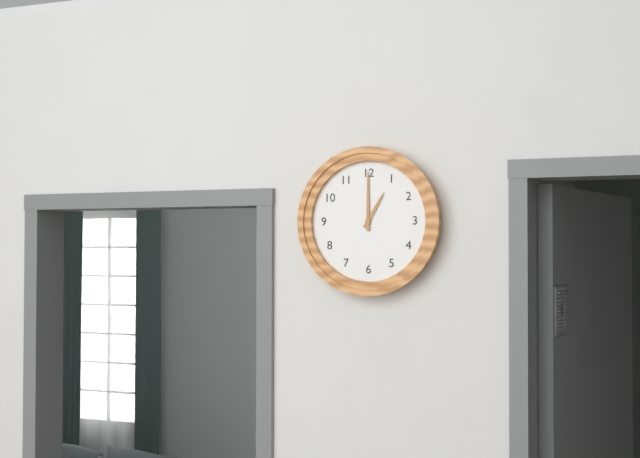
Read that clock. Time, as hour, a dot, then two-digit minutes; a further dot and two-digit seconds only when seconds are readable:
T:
1.00
